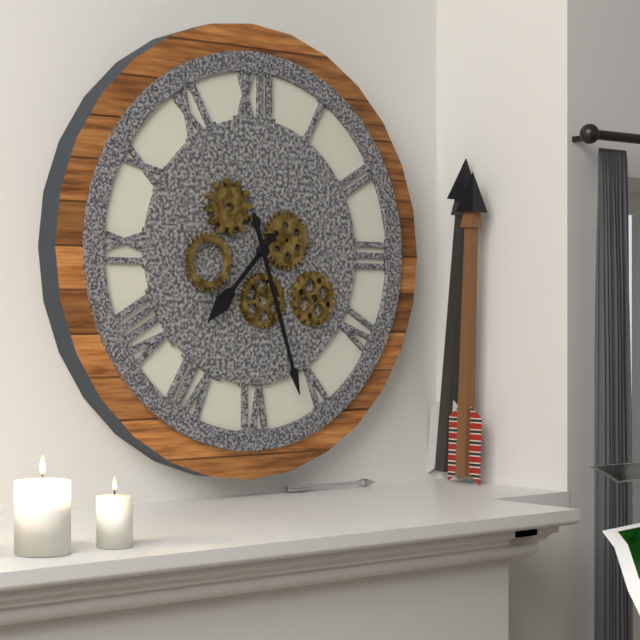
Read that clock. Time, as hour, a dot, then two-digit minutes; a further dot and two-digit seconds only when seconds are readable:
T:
7.27
